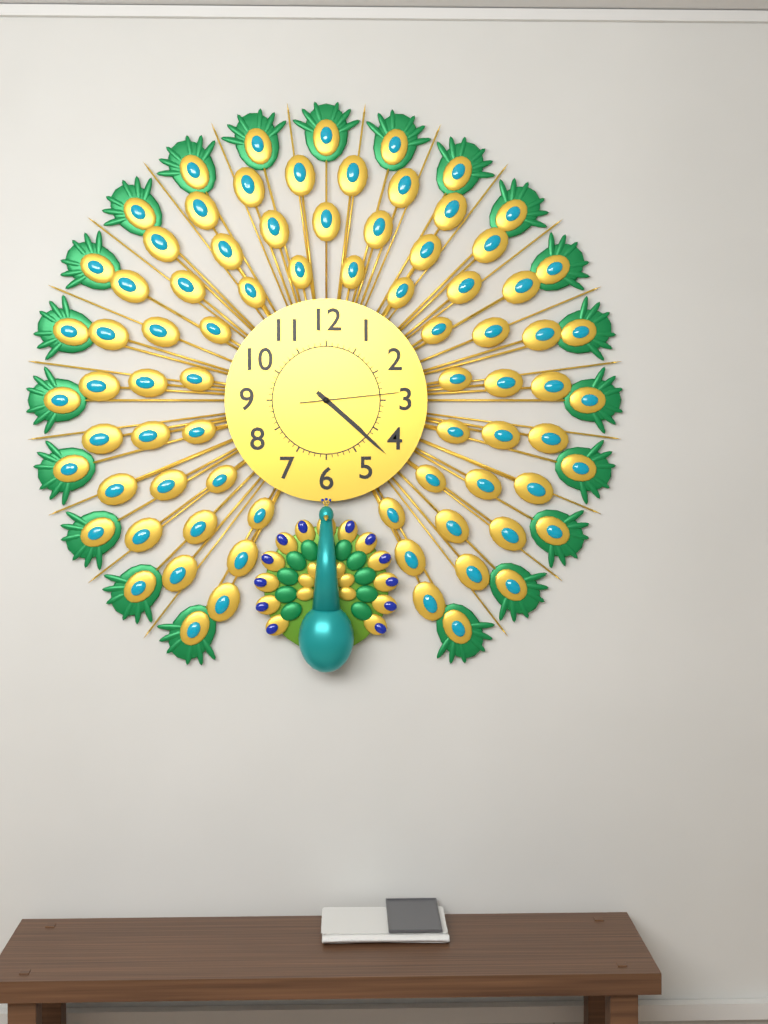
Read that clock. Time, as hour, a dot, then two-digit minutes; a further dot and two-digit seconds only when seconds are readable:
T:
4.22.14
